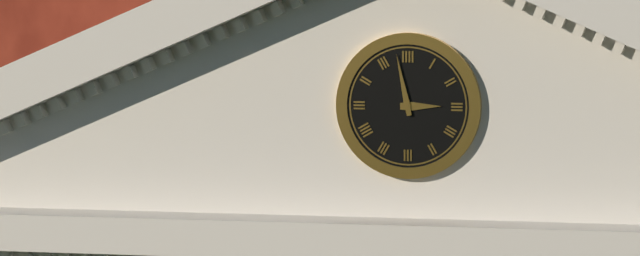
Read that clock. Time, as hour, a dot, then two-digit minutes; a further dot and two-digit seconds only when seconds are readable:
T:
2.58
